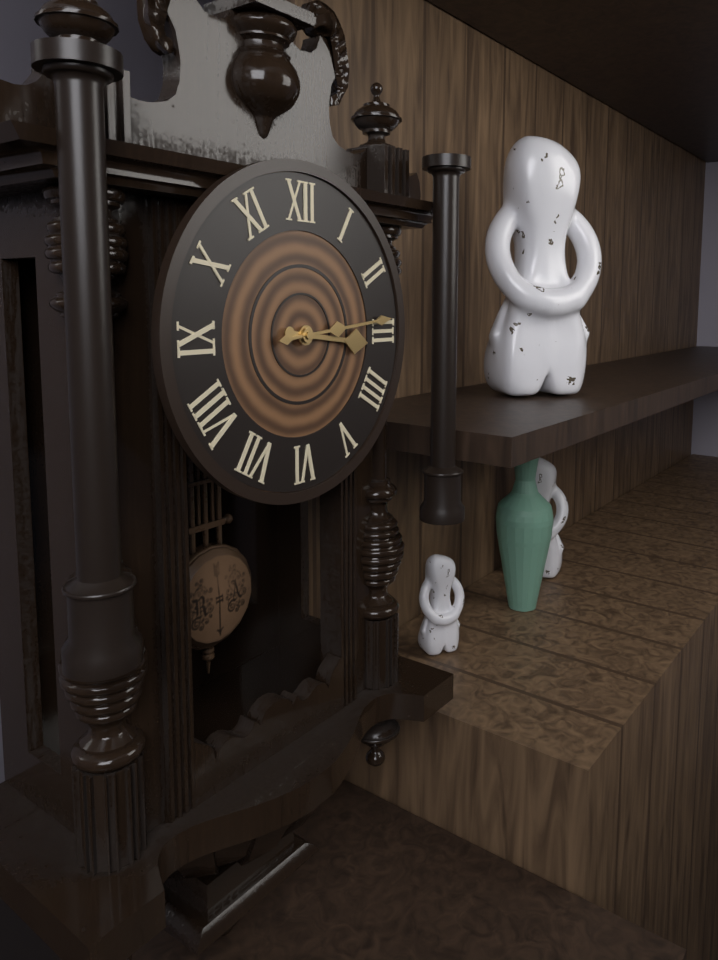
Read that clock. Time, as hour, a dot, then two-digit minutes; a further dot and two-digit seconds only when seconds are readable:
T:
3.14
